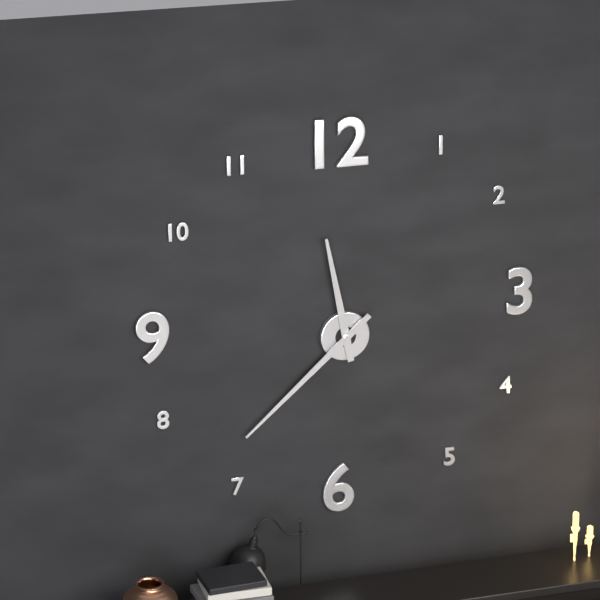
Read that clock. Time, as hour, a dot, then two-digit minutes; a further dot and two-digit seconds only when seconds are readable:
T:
11.38
